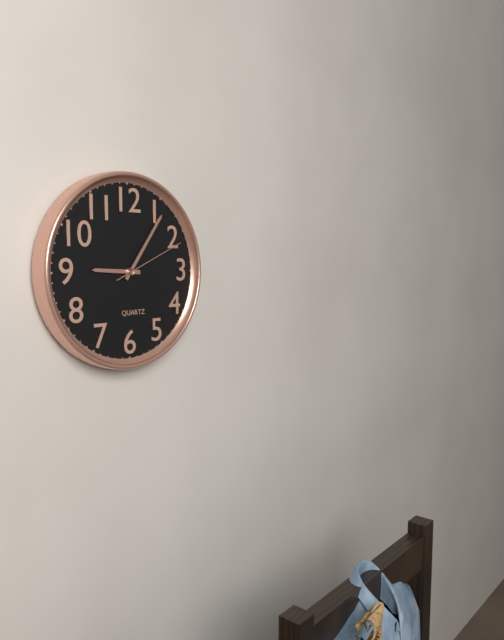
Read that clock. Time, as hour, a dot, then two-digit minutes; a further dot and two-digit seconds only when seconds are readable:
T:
9.06.11
